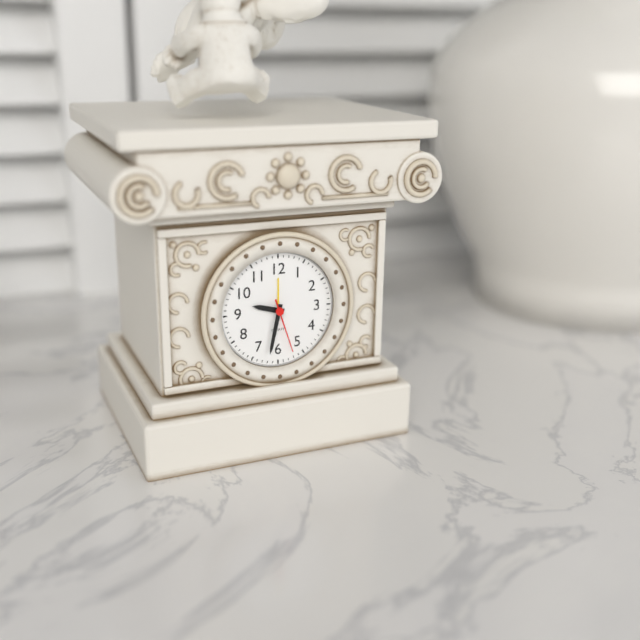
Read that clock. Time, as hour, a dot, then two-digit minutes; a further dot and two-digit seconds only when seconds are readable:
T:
9.32.27
